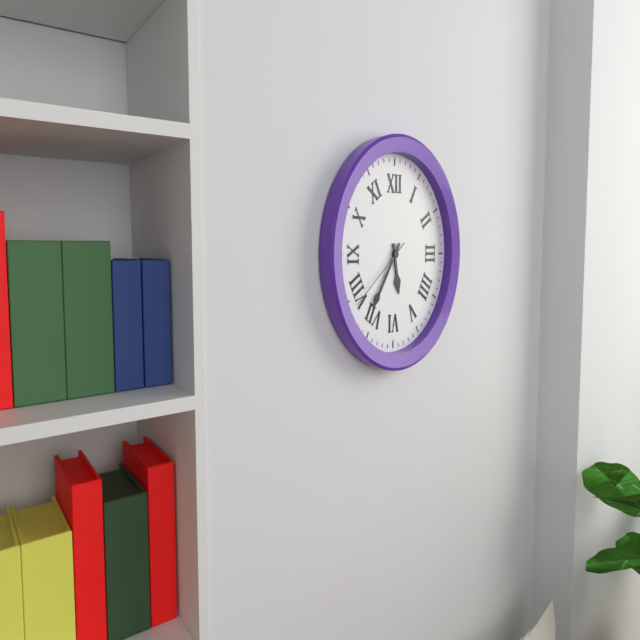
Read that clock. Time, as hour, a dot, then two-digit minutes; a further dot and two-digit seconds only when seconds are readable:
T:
5.36.39
